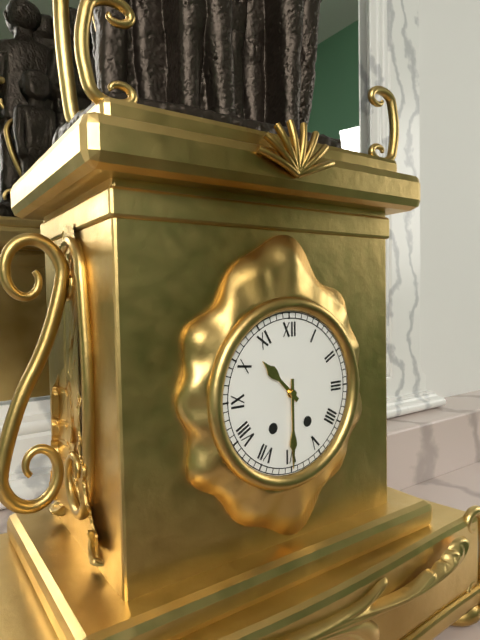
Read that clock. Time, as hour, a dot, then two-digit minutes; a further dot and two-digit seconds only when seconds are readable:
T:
10.30
